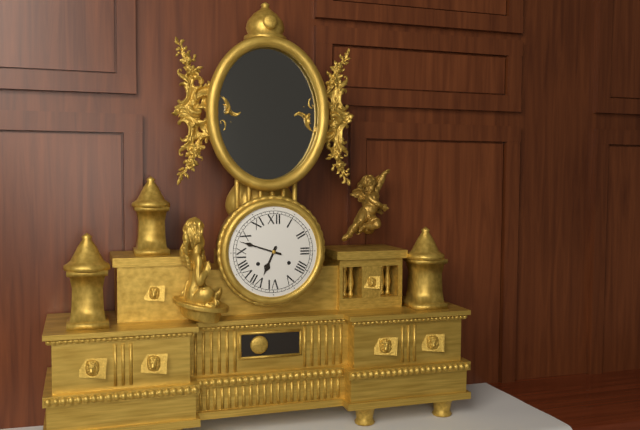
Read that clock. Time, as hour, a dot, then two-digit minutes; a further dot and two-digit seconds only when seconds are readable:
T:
6.48
